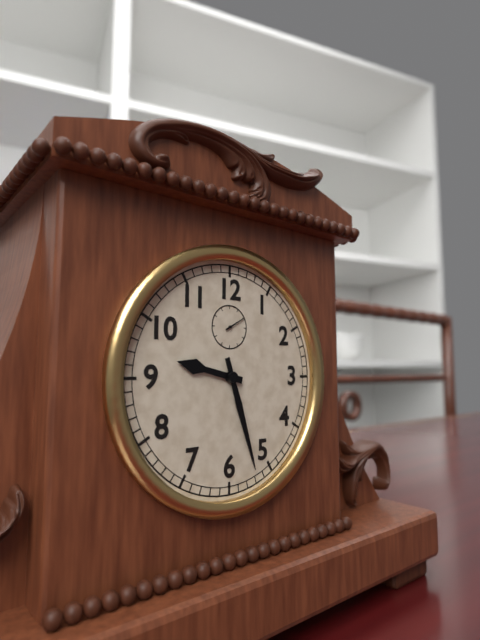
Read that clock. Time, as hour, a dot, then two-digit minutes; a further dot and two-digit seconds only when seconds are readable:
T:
9.27
